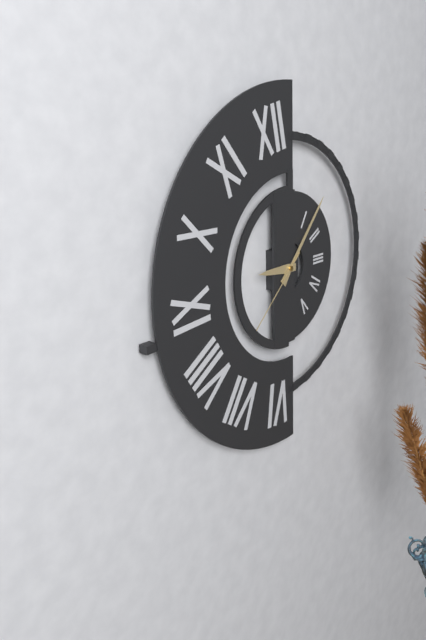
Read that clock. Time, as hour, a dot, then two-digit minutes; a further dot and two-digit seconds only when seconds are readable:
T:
9.07.38
